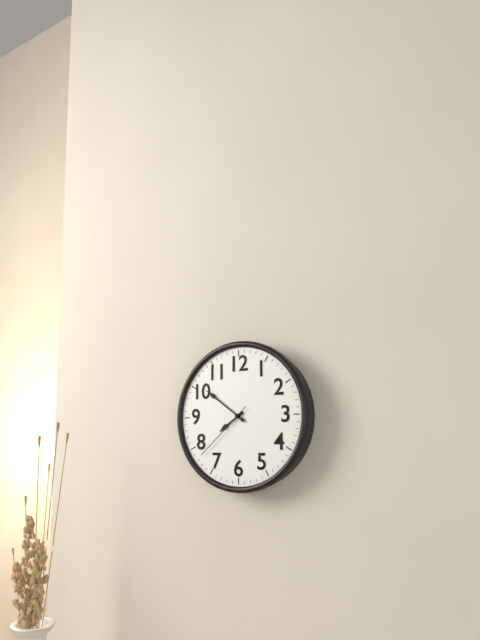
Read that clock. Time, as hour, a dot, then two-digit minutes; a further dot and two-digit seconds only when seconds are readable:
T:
7.51.38
